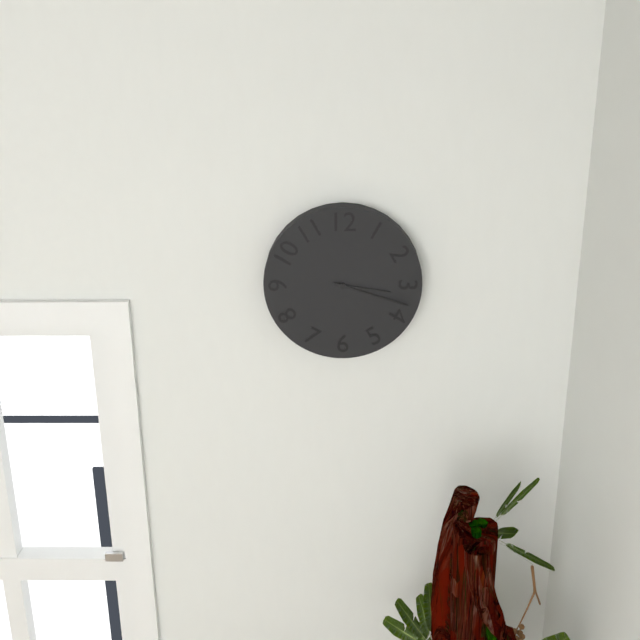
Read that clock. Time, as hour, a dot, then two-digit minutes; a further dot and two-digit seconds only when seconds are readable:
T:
3.18
